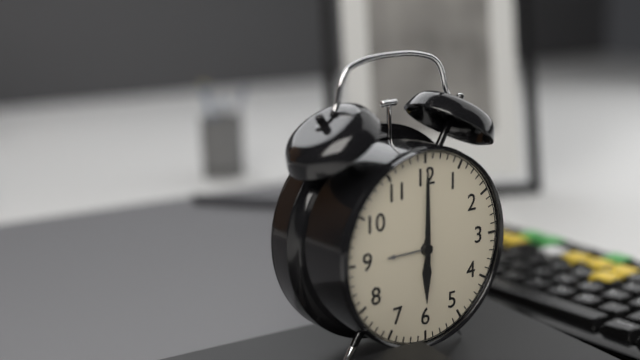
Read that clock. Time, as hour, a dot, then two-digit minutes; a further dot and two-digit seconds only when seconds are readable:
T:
6.00
